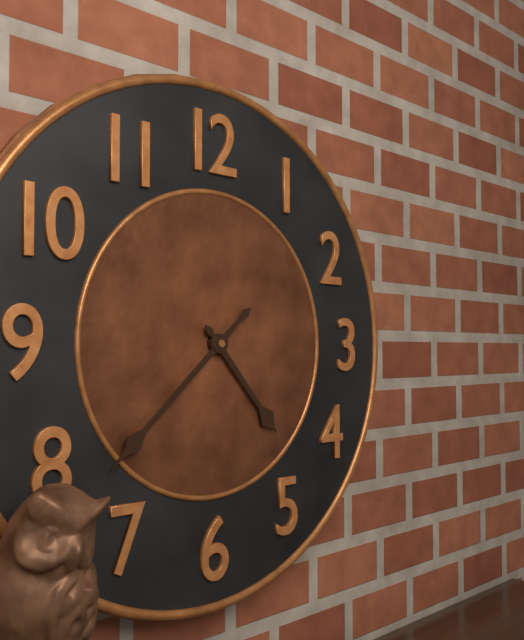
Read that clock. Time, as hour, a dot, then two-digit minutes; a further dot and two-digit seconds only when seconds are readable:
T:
4.38
